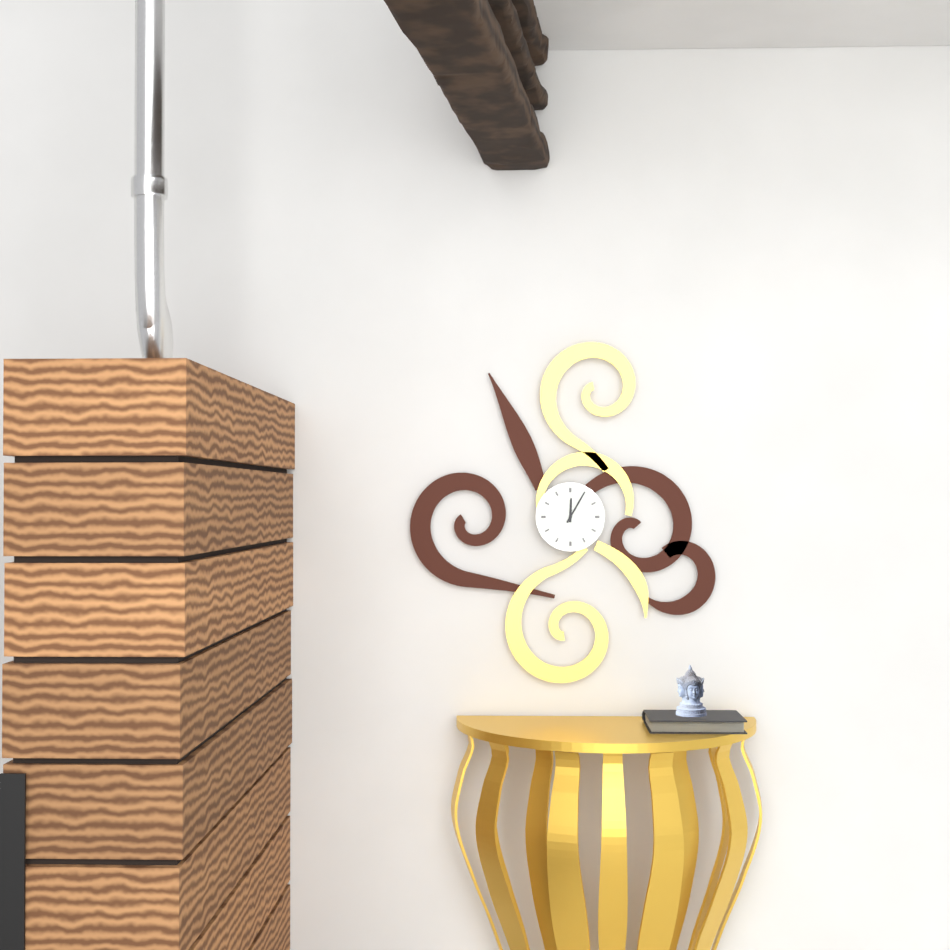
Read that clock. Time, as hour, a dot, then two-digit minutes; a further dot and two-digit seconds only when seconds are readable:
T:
12.05
